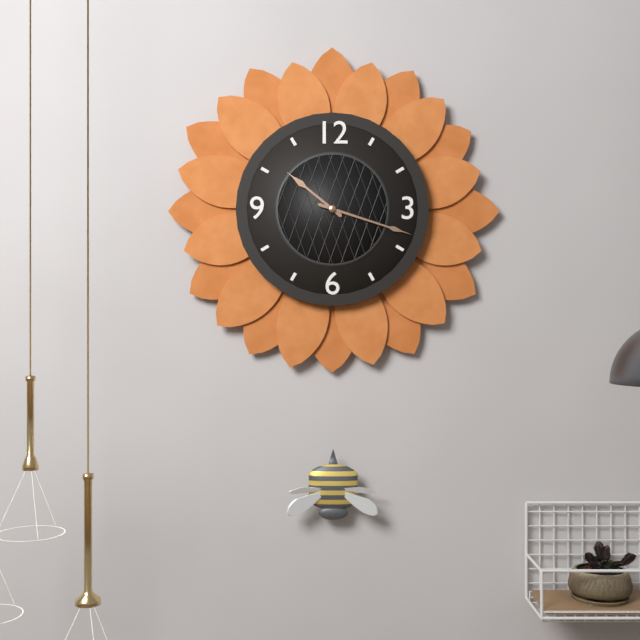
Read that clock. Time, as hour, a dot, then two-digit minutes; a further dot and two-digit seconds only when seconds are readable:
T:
10.18
